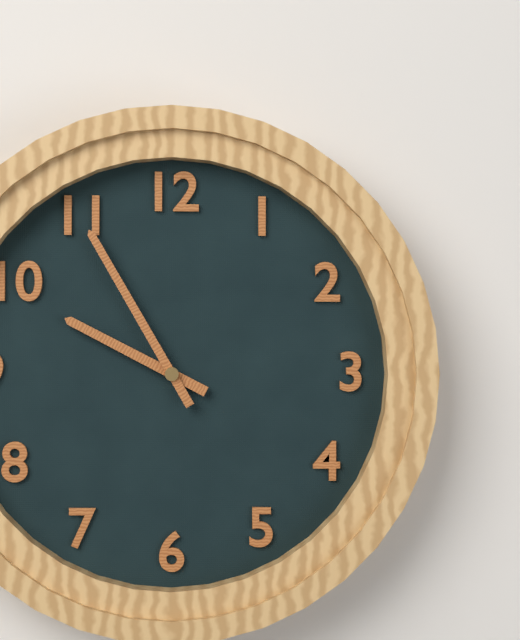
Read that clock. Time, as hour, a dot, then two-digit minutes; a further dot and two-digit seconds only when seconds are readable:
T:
9.55
